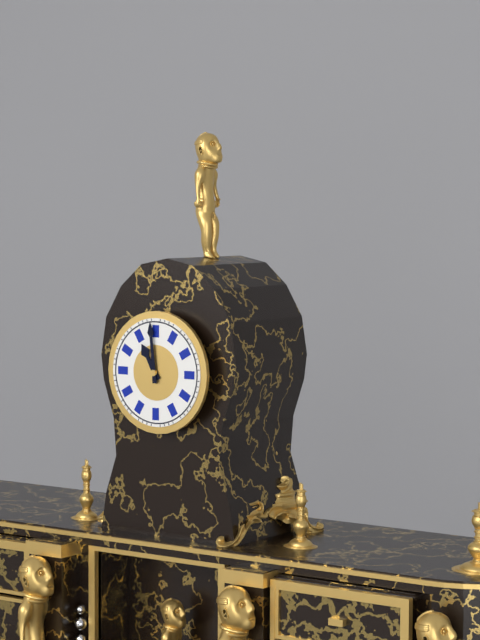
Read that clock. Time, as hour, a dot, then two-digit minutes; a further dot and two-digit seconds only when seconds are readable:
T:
10.59
